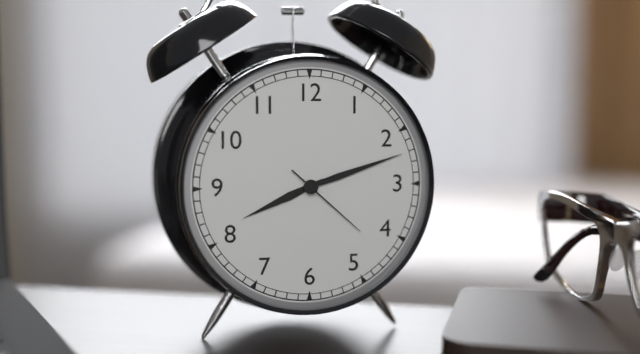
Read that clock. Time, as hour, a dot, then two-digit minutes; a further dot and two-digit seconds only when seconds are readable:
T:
8.12.22
